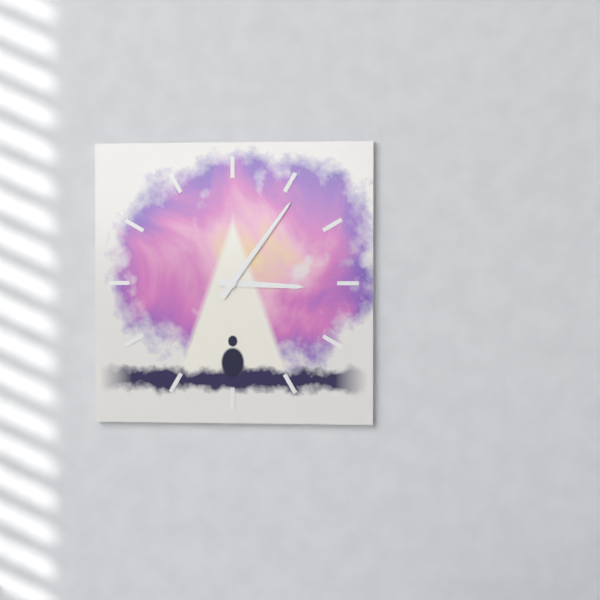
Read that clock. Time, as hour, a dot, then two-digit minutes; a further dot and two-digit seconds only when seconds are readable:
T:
3.06
